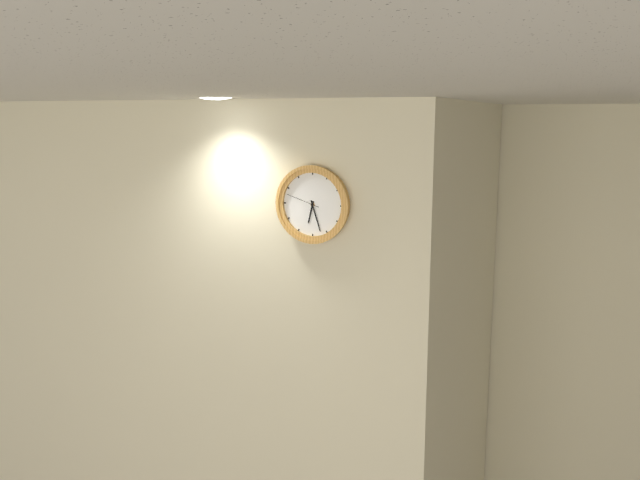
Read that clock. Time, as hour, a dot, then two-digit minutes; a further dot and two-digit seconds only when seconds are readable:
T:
6.27
